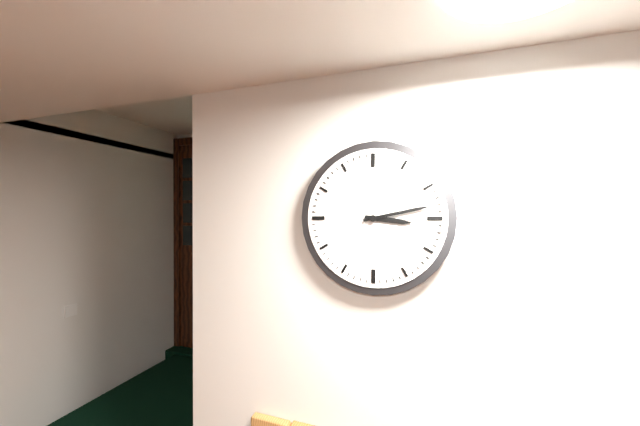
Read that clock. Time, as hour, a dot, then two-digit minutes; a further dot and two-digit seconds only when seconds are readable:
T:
3.13
